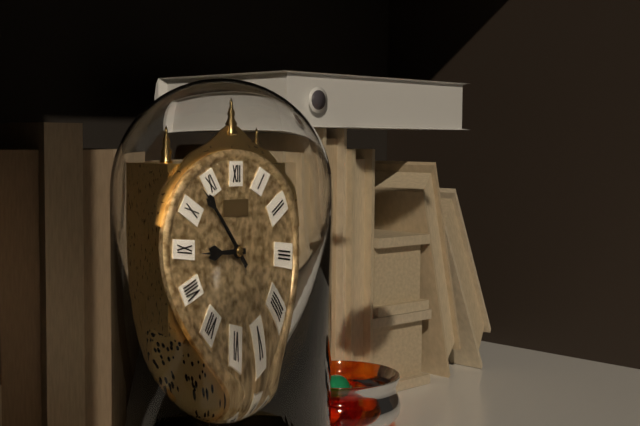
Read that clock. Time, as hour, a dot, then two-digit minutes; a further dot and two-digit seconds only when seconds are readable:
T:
8.53
